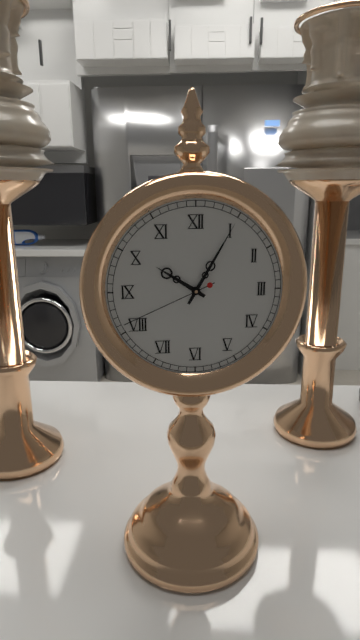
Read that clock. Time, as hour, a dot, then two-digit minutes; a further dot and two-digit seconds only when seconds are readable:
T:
10.05.41
